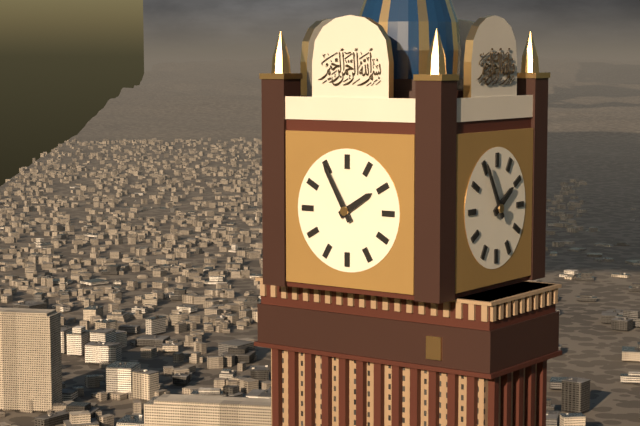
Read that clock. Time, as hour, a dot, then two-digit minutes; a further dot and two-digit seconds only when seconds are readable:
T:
1.55
